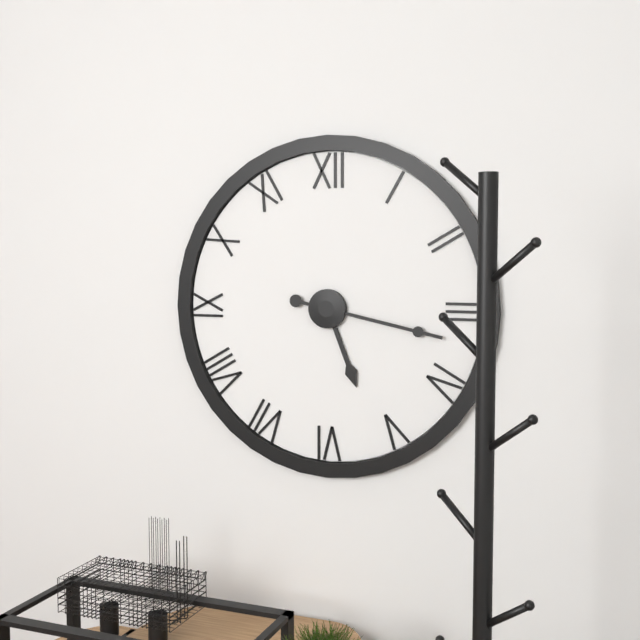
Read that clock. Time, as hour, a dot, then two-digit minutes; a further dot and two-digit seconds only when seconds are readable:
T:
5.17
